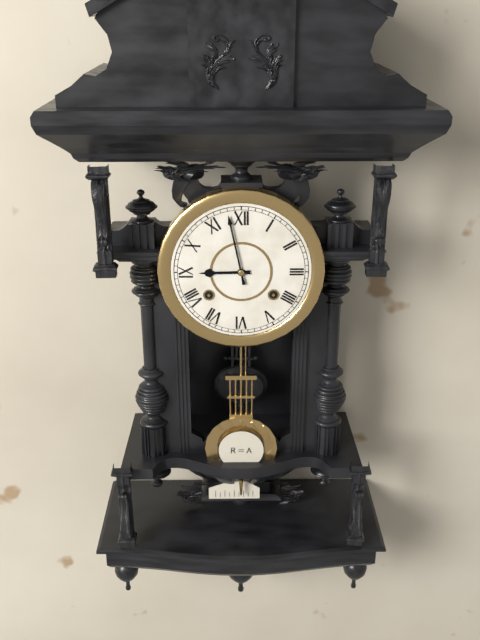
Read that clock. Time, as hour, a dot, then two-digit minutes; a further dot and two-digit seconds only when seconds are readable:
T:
8.58
